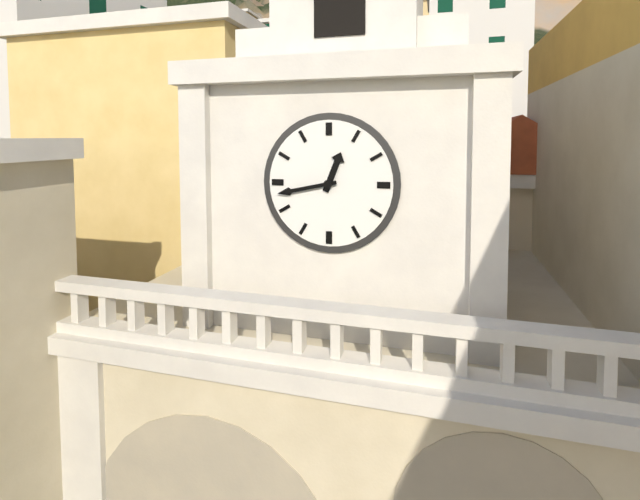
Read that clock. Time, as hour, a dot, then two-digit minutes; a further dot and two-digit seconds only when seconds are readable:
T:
12.43
